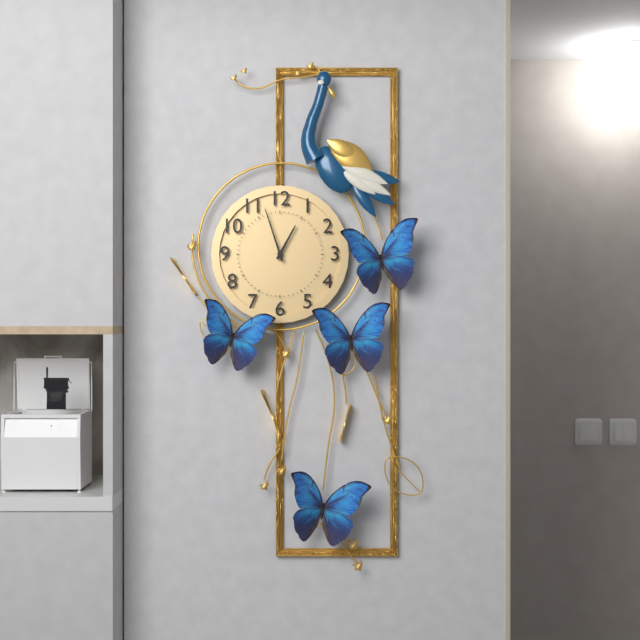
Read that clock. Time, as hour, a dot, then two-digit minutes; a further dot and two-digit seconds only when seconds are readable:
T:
12.57
